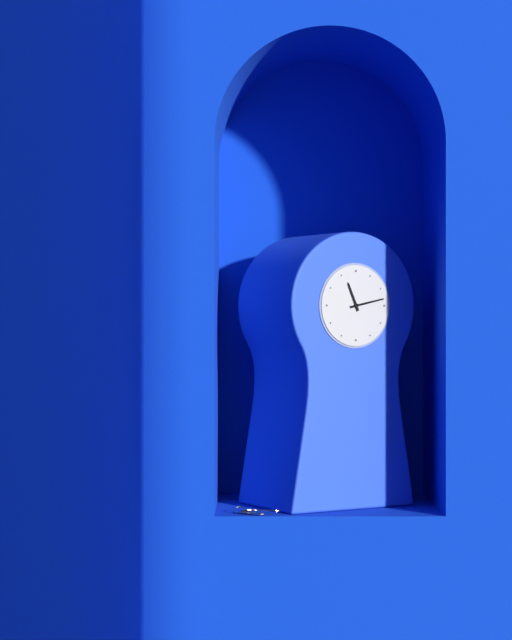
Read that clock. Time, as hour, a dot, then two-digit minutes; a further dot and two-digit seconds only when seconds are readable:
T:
11.13
